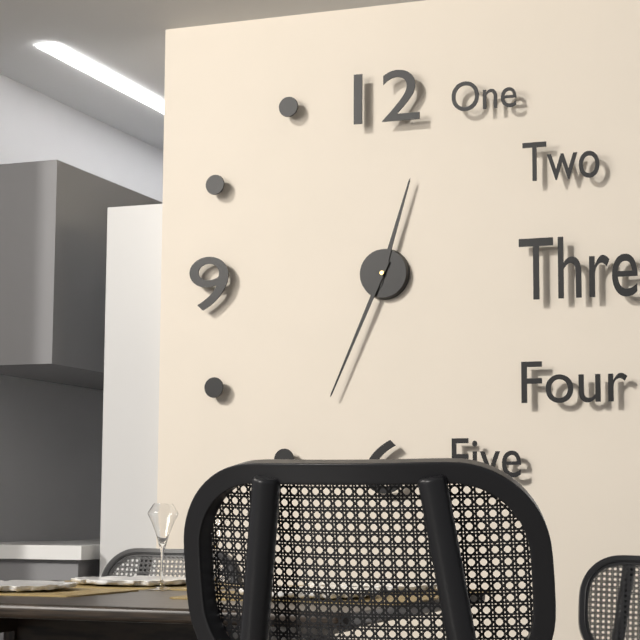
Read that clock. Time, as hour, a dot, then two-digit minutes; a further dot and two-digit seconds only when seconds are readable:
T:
12.34
